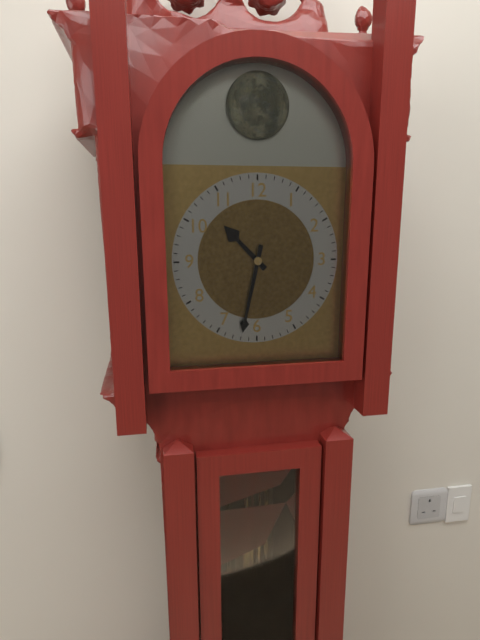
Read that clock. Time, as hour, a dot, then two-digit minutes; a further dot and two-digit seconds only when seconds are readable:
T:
10.32
